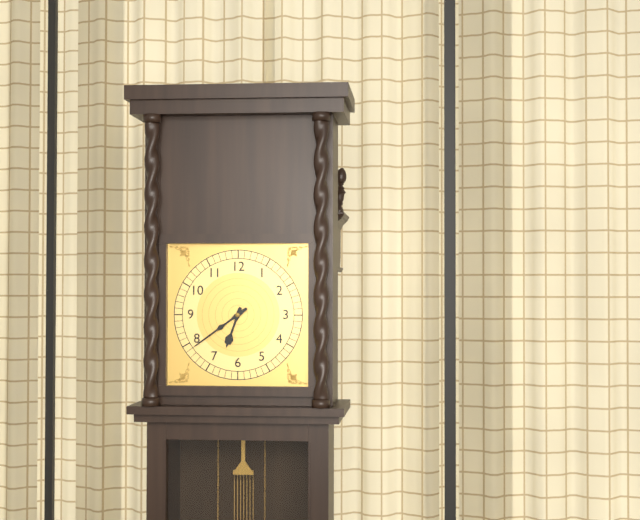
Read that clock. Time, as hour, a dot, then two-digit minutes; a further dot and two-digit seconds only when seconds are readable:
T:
6.39
